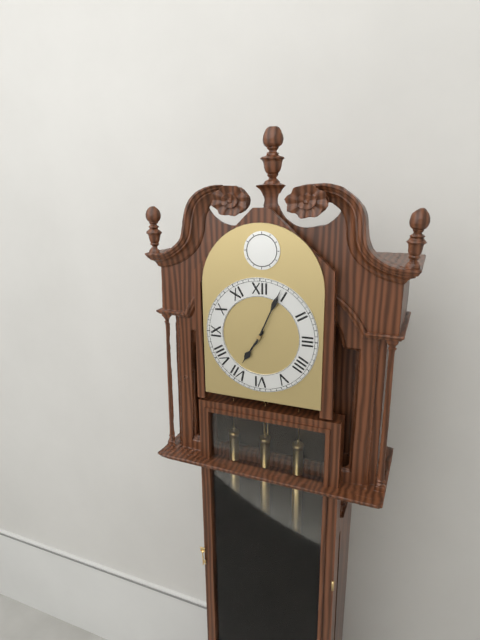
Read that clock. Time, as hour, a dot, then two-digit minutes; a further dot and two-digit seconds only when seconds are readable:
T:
7.04
